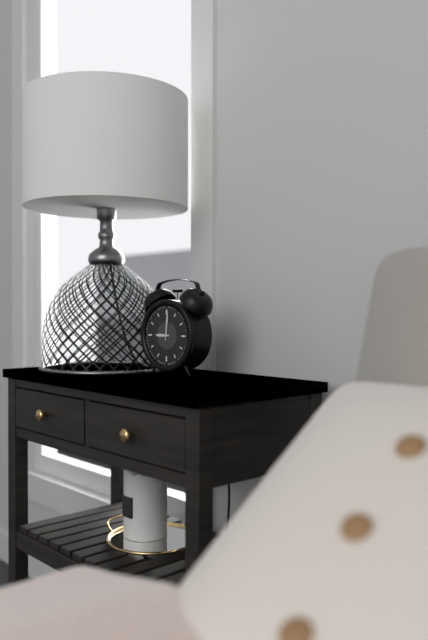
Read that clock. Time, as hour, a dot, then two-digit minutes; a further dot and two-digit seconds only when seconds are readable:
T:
9.01
